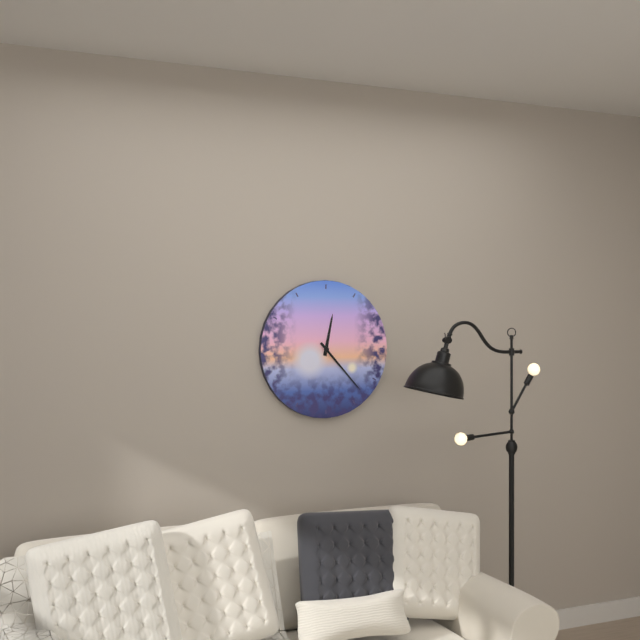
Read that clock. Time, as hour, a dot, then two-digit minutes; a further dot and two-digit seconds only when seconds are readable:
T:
12.23
